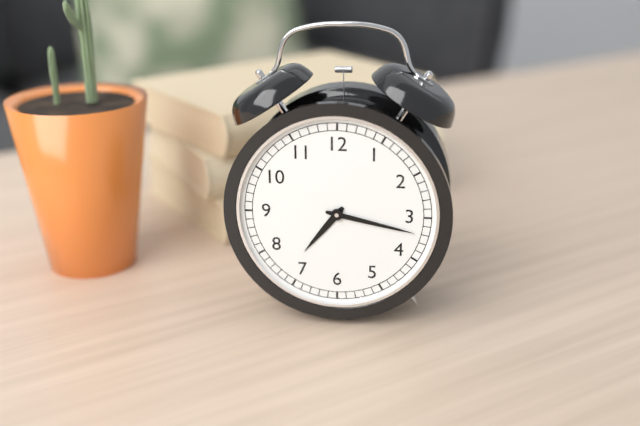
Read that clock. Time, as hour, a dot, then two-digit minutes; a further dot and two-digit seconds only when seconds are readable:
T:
7.17
